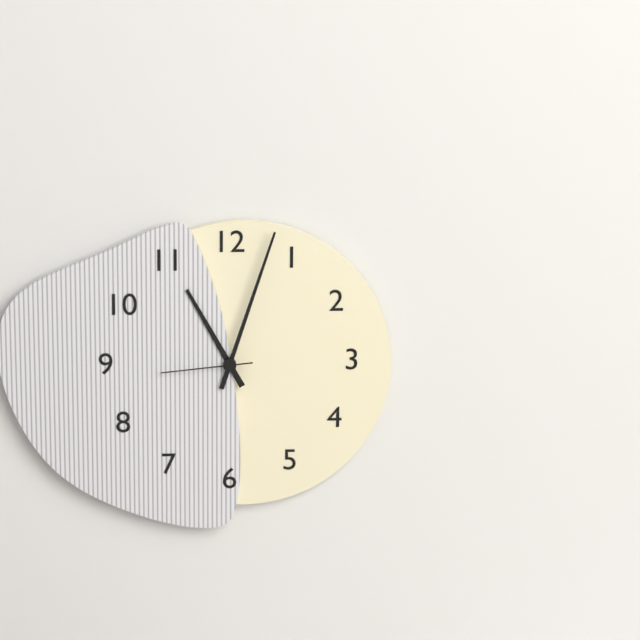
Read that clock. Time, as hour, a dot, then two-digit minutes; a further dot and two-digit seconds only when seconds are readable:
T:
11.03.44
